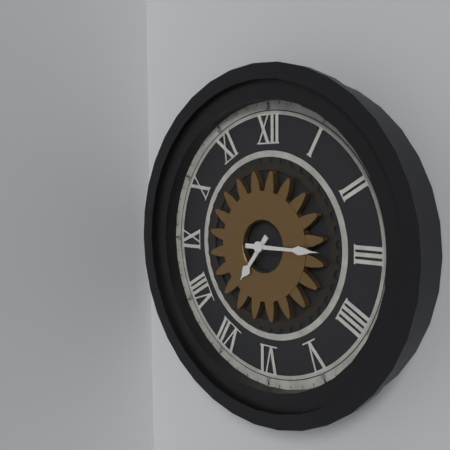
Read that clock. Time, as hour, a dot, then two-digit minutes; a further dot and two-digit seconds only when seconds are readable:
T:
7.15
